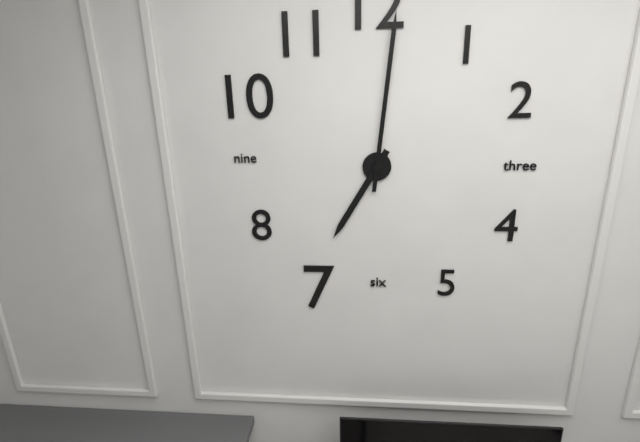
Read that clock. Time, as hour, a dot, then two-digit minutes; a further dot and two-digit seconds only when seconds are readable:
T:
7.01
